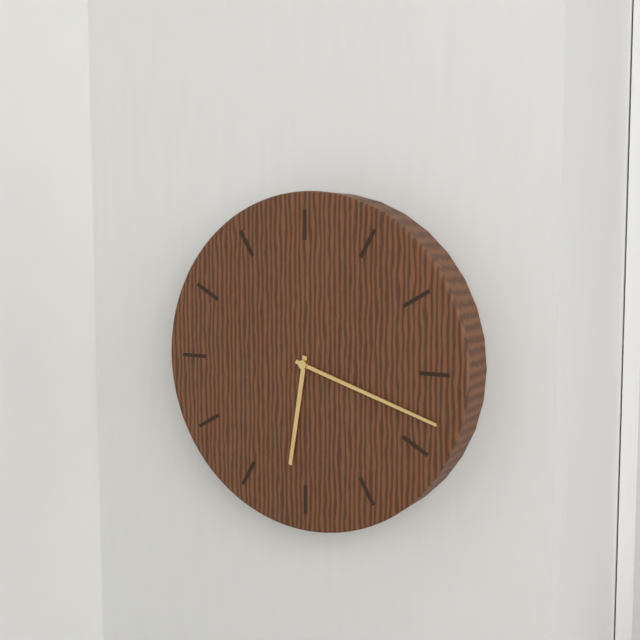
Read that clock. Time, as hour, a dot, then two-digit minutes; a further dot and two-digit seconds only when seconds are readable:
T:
6.18
